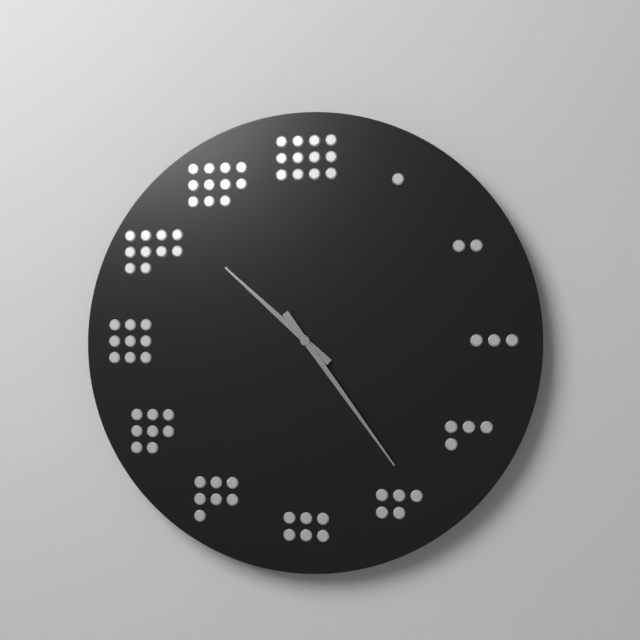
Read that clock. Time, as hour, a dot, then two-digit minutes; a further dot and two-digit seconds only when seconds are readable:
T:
10.24
